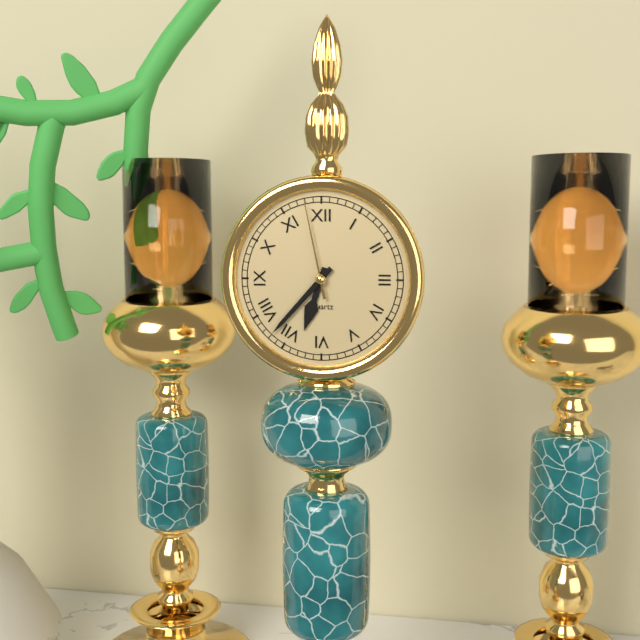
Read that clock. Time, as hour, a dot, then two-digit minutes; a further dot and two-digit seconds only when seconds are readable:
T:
6.37.58
